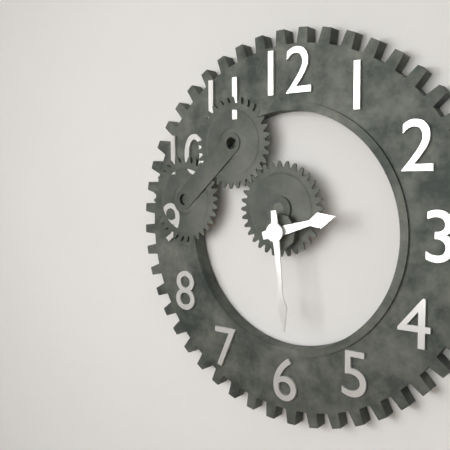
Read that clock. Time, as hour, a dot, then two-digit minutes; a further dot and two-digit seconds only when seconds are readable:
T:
2.29
